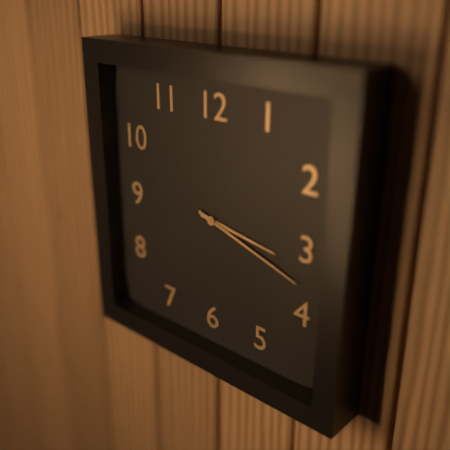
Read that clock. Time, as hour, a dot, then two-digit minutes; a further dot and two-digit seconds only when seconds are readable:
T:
3.18
